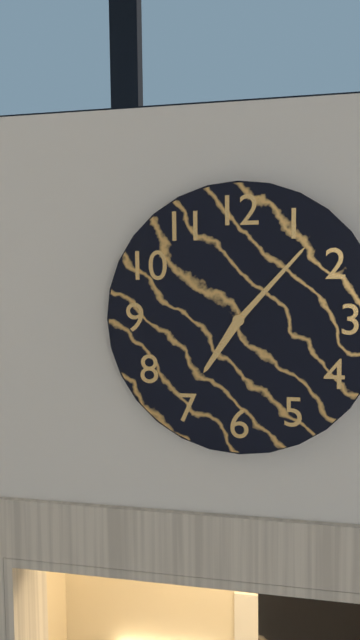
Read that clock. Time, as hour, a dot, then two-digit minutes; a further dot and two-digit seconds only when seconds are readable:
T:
7.07
